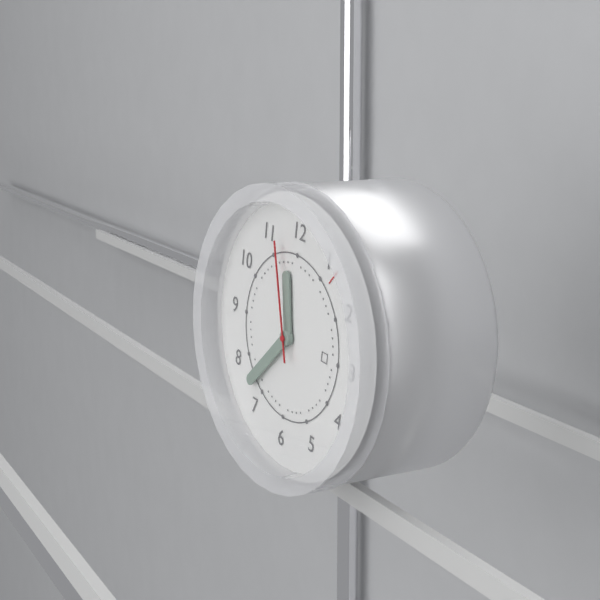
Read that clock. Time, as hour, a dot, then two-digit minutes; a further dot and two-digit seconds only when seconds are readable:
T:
11.37.57
